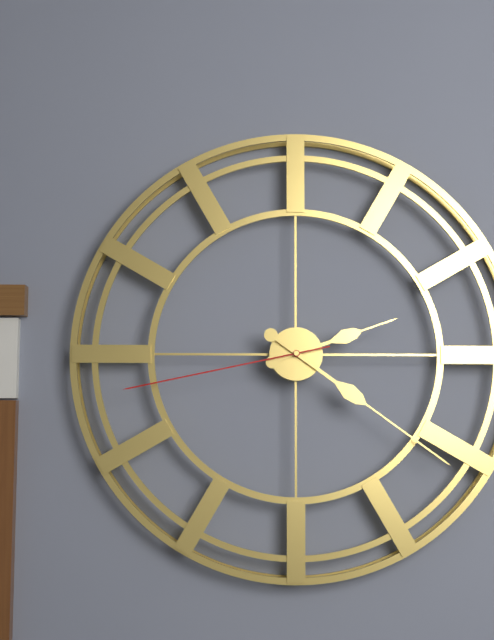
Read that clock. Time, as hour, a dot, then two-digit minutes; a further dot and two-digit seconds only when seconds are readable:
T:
2.21.43
